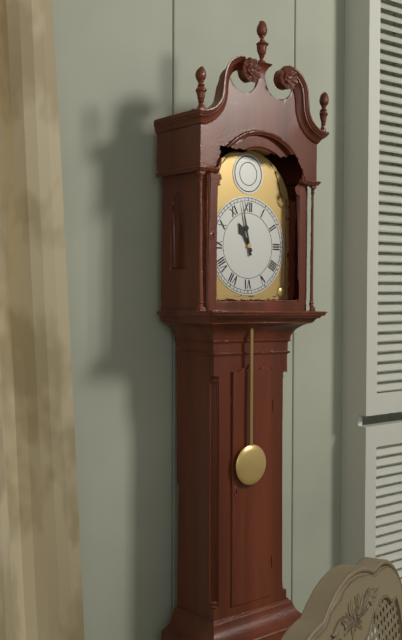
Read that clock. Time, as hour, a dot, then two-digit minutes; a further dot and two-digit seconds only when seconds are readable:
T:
10.58
